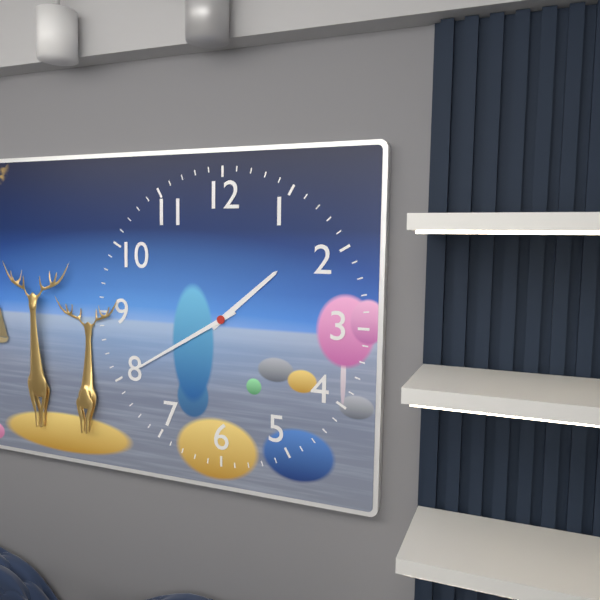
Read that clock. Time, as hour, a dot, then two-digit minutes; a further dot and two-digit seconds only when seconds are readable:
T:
1.40
